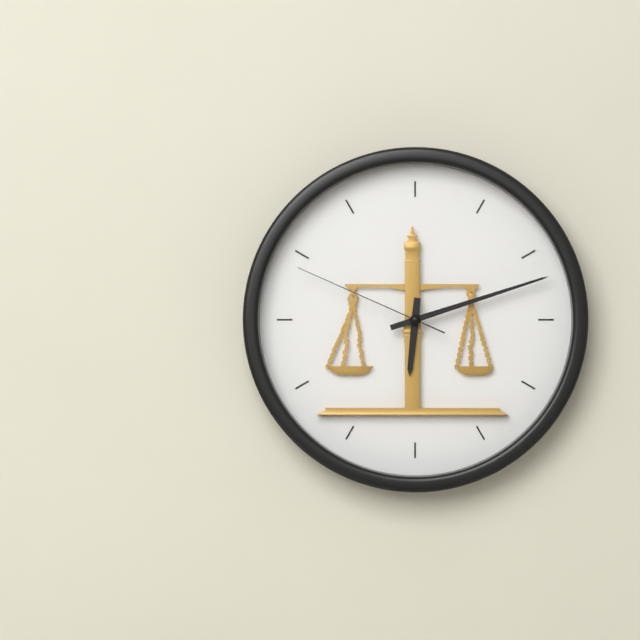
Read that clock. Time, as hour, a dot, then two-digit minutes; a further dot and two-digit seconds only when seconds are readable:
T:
6.12.49
